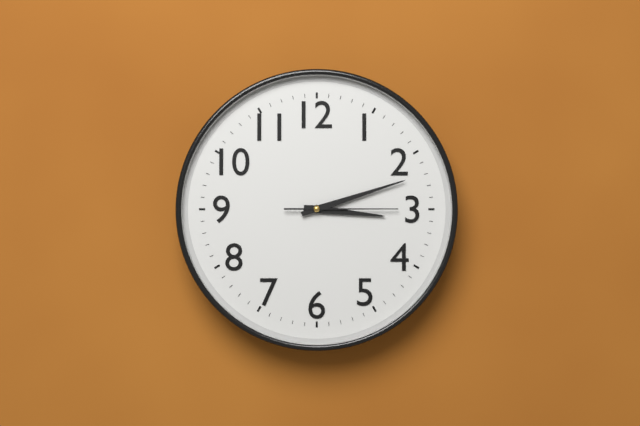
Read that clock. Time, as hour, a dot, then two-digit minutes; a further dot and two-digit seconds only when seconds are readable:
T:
3.12.15
